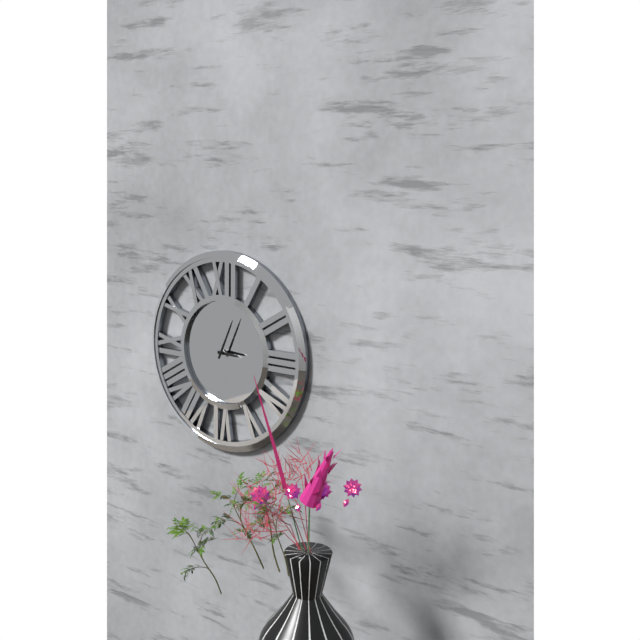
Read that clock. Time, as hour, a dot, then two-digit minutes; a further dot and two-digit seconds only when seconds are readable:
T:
3.04
